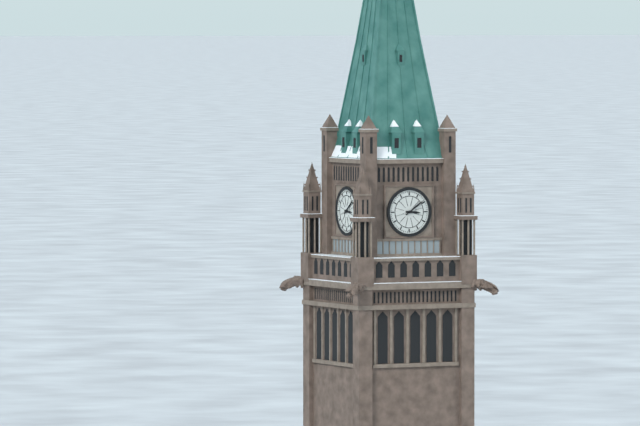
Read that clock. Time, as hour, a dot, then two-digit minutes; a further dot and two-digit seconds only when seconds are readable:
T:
3.09
